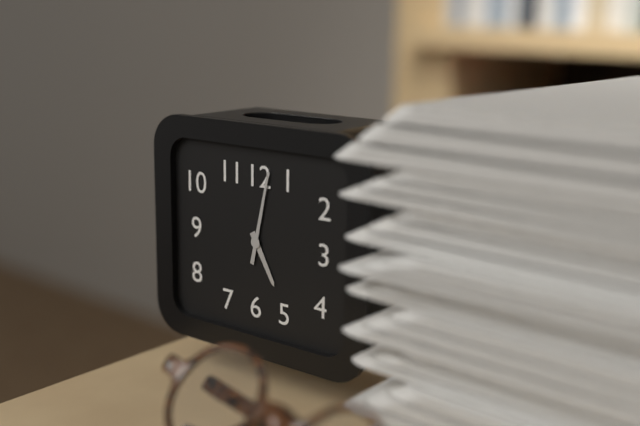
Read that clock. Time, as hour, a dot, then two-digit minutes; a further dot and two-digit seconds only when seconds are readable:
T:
5.02
